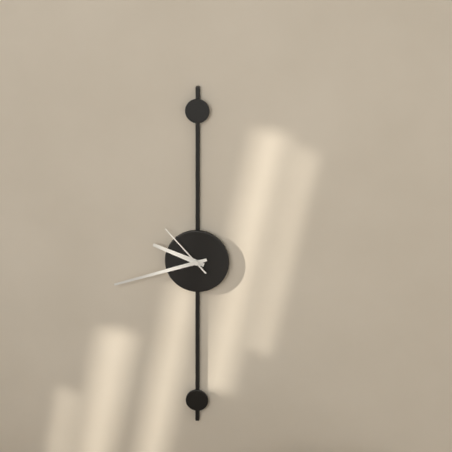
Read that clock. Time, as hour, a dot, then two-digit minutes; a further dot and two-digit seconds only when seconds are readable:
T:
9.42.53
